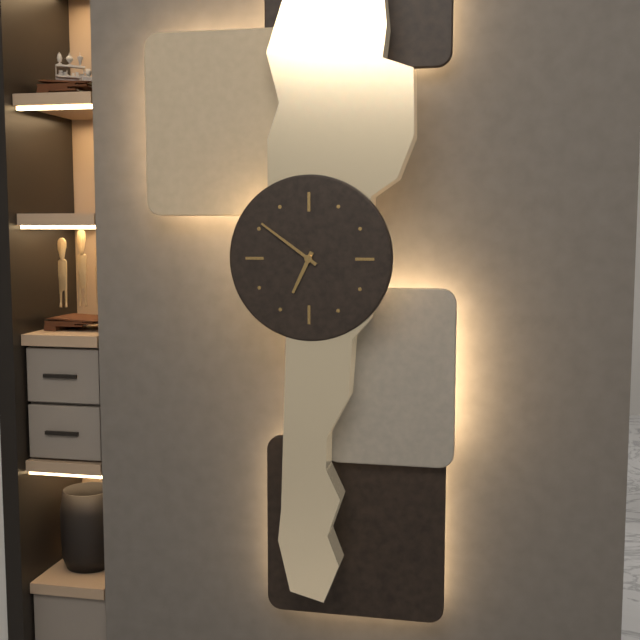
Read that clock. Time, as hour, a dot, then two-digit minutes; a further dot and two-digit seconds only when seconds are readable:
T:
6.51
